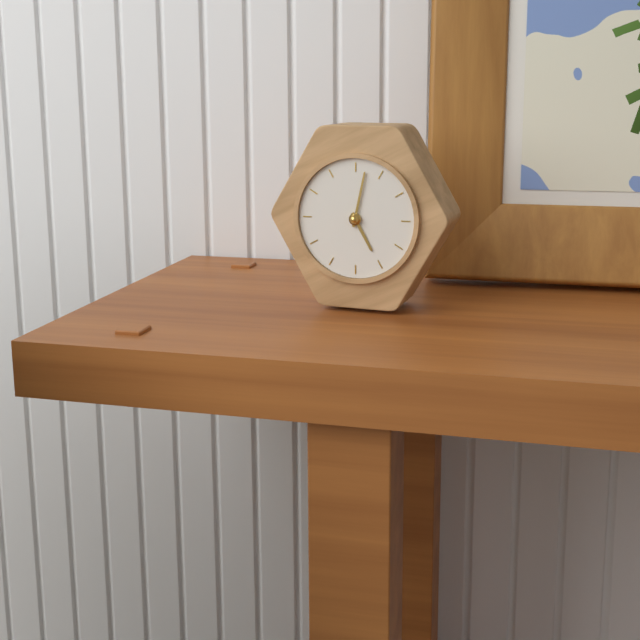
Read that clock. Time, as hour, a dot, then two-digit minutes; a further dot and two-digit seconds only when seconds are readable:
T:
5.02
